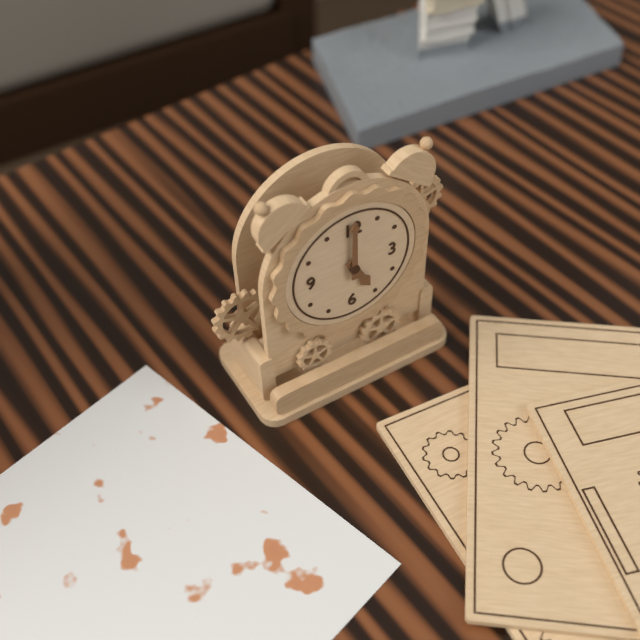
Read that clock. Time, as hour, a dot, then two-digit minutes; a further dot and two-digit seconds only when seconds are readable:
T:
5.00
